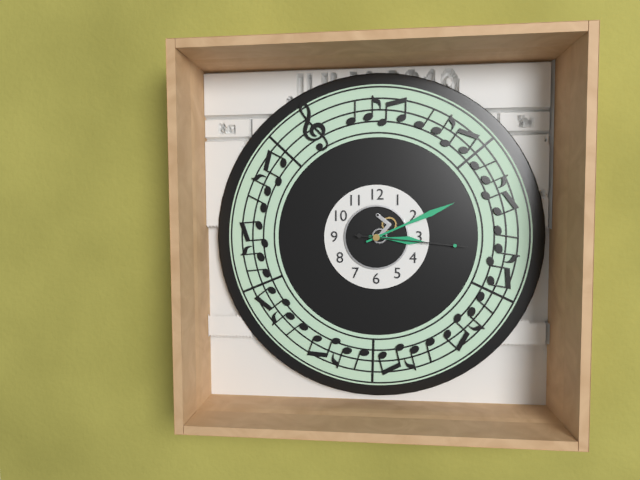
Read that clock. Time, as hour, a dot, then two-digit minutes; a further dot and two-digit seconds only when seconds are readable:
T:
3.11.16
